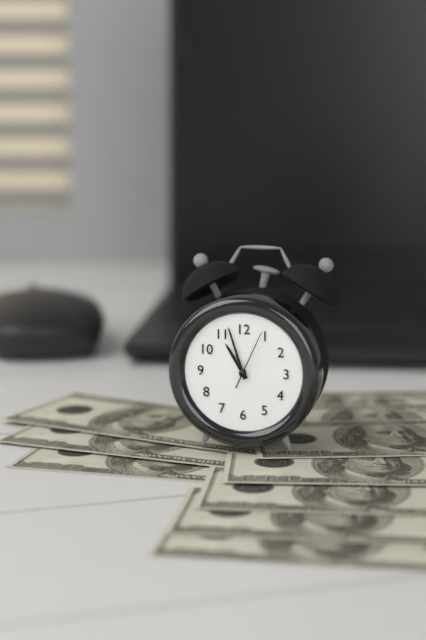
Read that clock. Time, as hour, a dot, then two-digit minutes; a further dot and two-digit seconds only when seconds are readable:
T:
10.57.04
